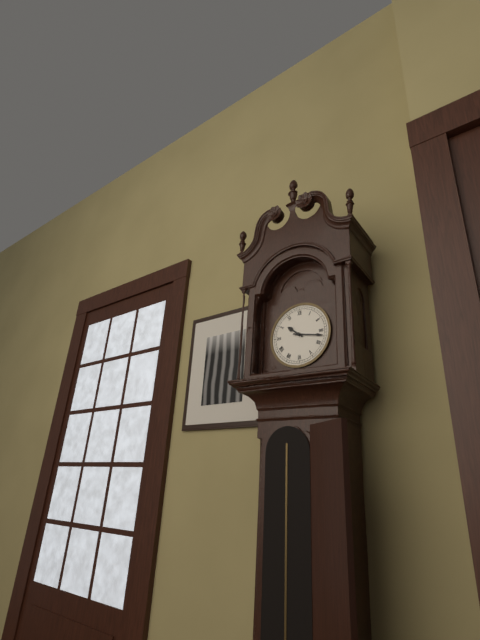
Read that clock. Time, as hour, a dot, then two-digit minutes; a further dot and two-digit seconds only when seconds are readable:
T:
10.17
